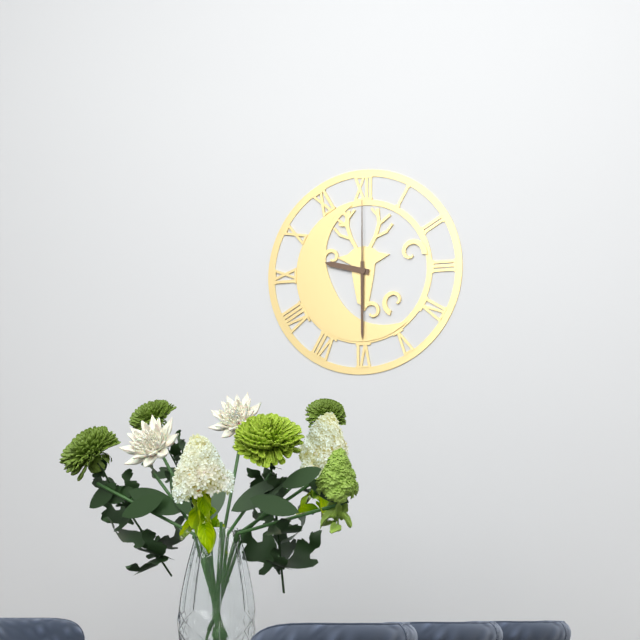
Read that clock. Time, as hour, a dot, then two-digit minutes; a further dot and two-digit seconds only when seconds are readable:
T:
9.30.00
